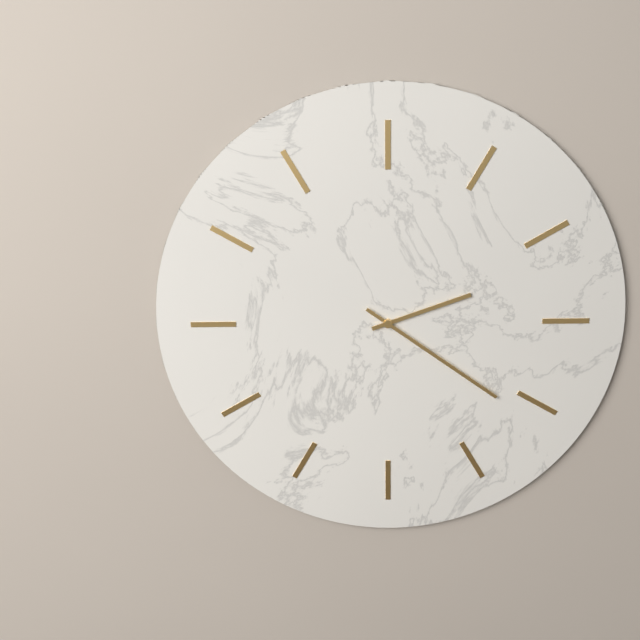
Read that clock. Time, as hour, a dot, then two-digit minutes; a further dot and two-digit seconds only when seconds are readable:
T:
2.21
